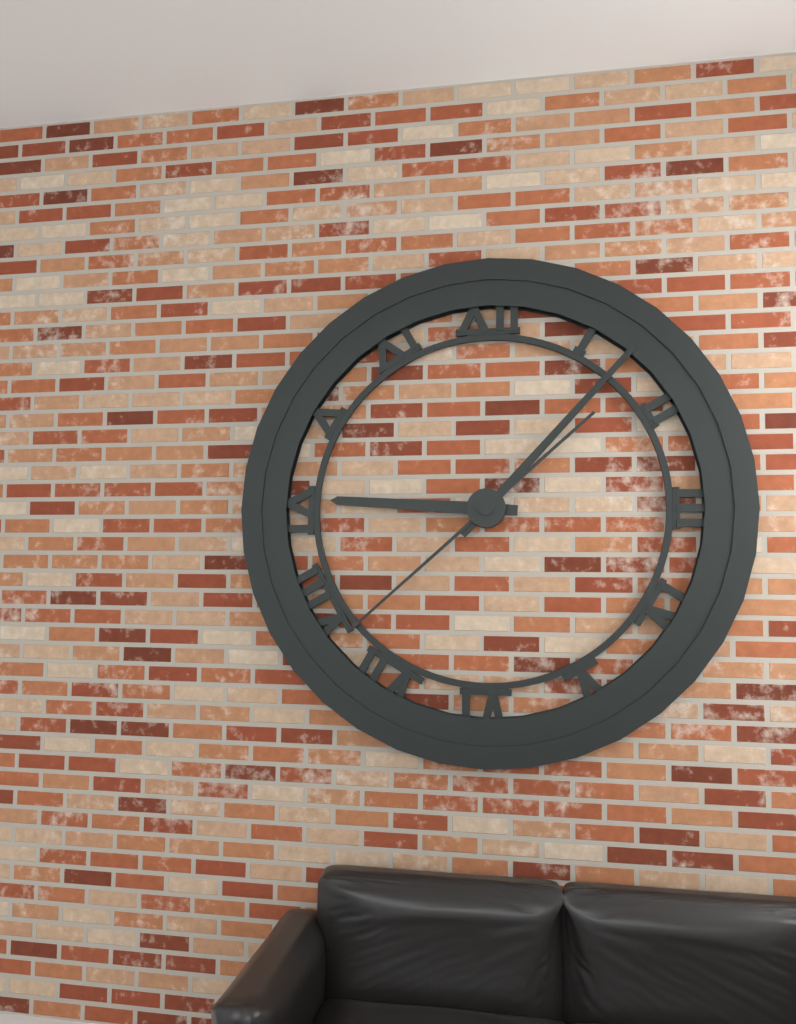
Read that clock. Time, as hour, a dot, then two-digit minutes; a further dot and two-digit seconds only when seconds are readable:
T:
9.07.38
